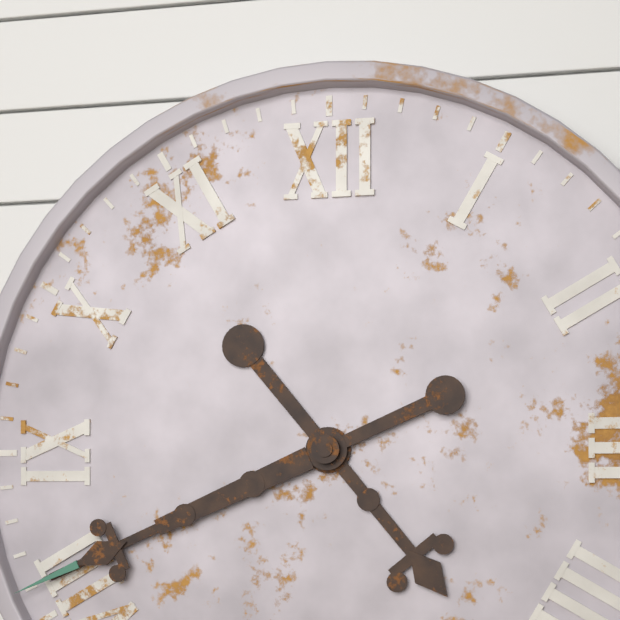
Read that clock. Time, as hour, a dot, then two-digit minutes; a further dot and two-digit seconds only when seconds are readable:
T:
4.41
